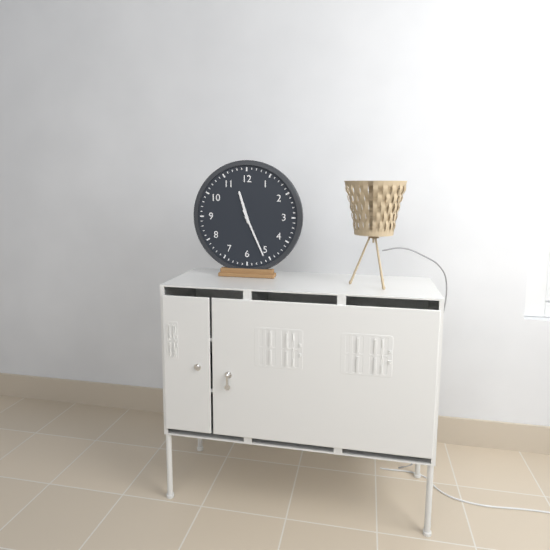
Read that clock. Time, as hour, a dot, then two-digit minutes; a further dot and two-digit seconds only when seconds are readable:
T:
11.26
